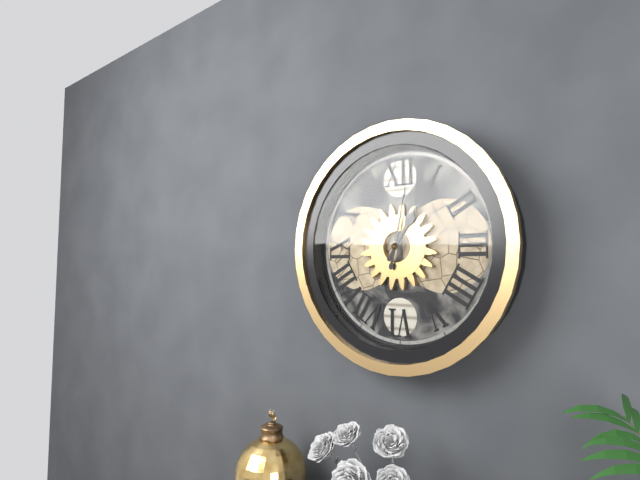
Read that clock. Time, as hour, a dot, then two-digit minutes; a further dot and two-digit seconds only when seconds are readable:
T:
1.02
